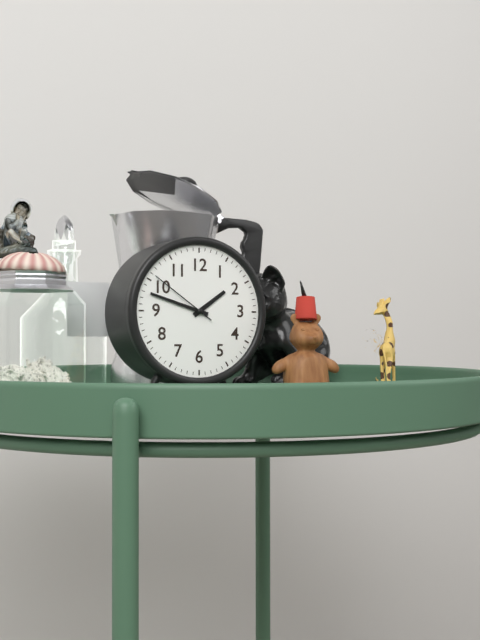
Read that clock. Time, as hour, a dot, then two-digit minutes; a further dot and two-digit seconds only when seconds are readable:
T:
1.48.51
